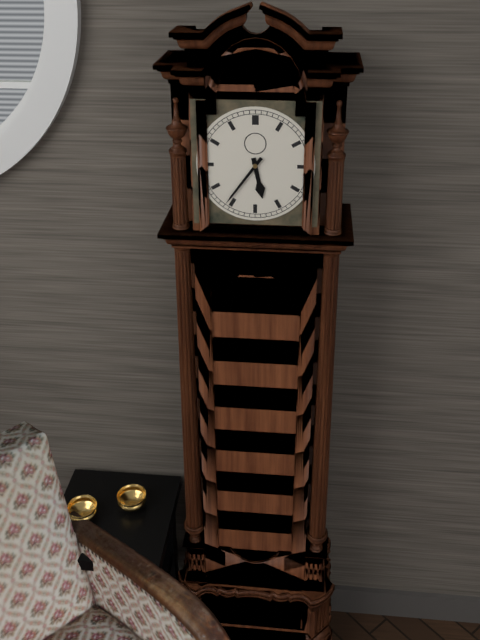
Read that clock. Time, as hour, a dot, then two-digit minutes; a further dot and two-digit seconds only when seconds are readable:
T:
5.36
